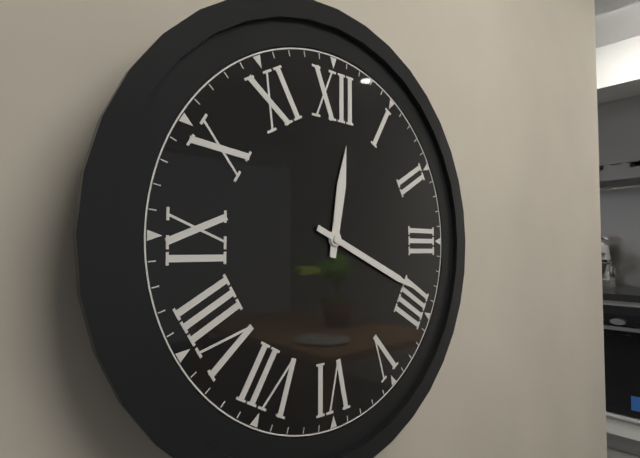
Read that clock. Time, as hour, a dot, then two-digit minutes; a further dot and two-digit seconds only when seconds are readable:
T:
12.19
